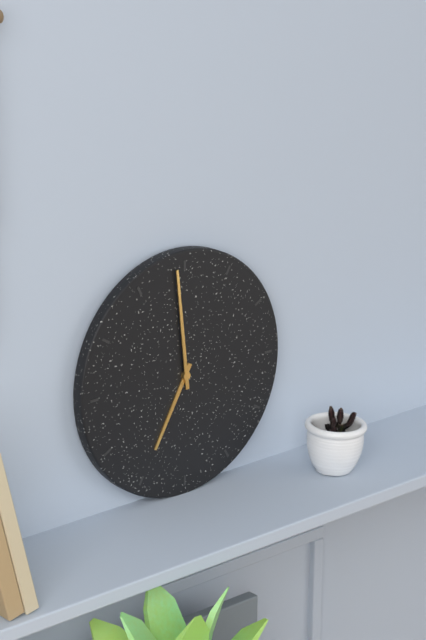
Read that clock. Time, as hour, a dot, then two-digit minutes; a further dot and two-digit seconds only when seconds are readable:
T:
6.59
